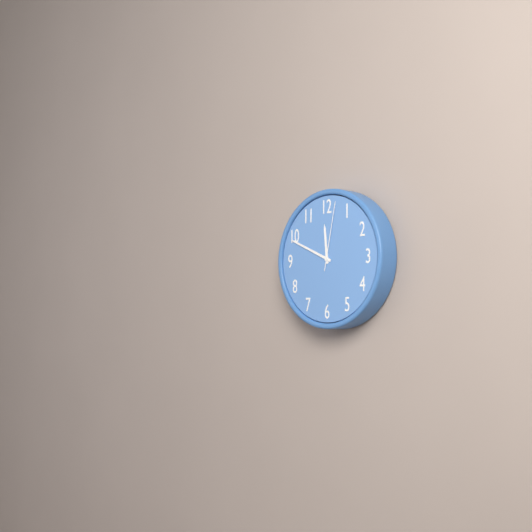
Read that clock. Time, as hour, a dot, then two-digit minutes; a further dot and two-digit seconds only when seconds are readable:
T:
11.49.02
